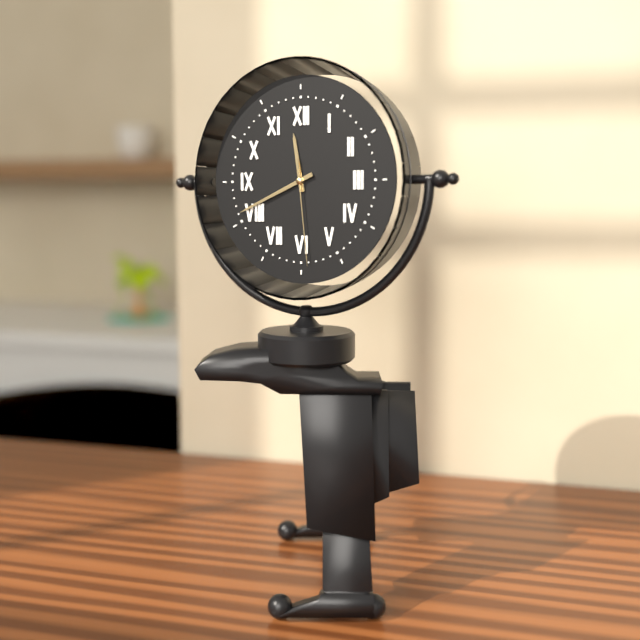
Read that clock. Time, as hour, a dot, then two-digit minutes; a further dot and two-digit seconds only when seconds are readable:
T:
11.41.29
